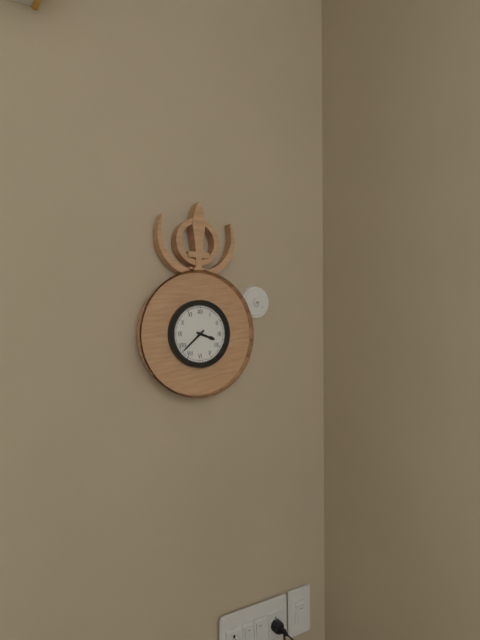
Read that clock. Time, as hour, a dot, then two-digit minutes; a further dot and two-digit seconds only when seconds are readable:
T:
3.38
